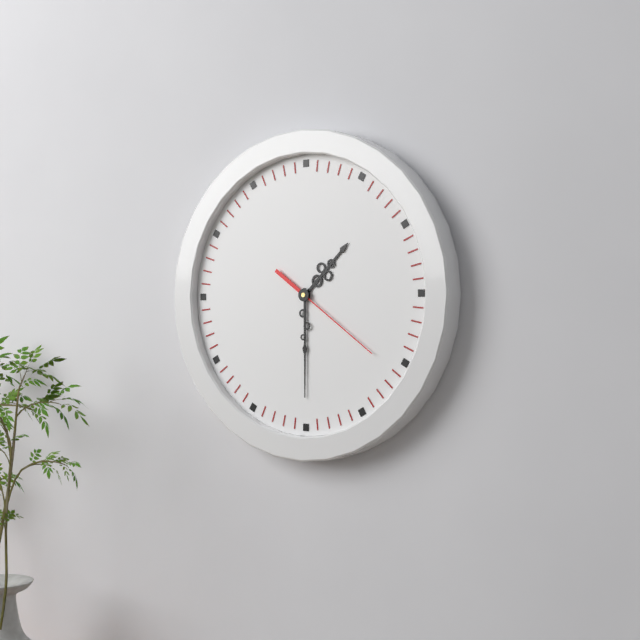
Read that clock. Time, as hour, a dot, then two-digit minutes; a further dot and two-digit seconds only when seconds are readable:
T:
1.30.21
